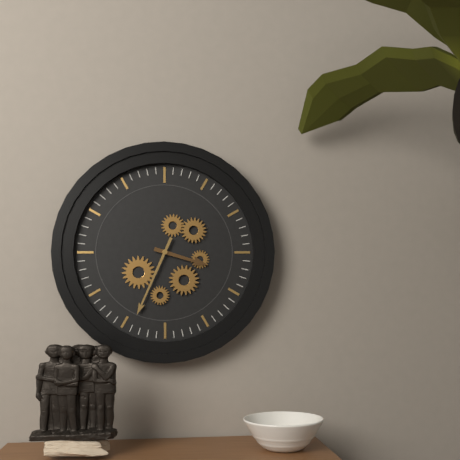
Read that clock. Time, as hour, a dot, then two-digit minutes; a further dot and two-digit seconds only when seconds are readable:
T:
3.34
